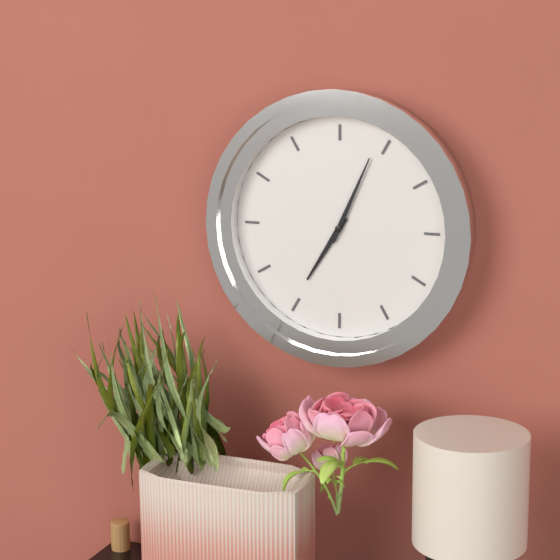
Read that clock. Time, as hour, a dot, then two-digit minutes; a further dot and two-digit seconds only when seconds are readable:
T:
7.04
